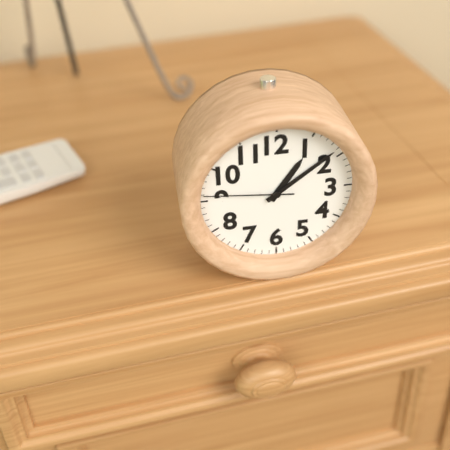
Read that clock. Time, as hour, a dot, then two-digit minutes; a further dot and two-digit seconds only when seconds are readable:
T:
1.09.46
